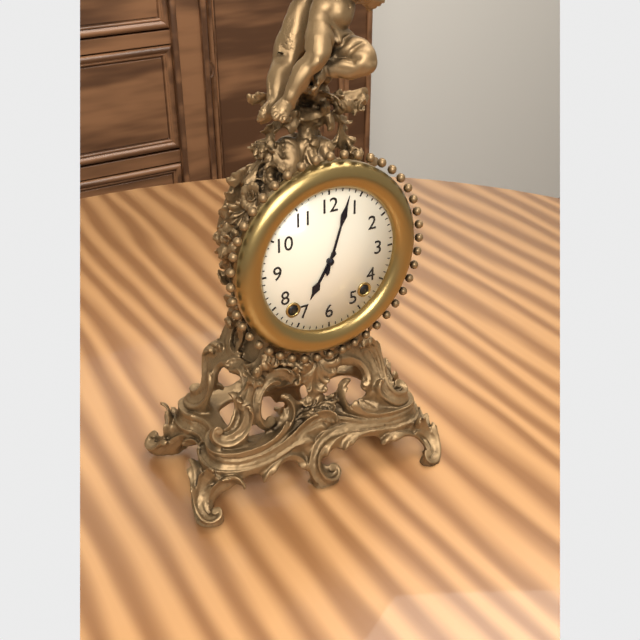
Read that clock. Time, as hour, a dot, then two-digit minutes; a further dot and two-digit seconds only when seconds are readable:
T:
7.03
